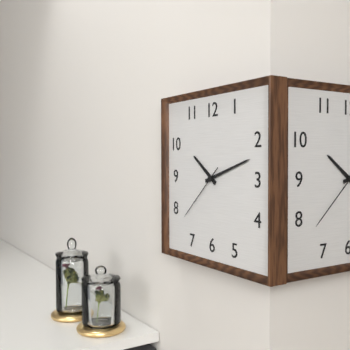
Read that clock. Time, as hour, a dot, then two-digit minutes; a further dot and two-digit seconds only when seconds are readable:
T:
10.12.38
